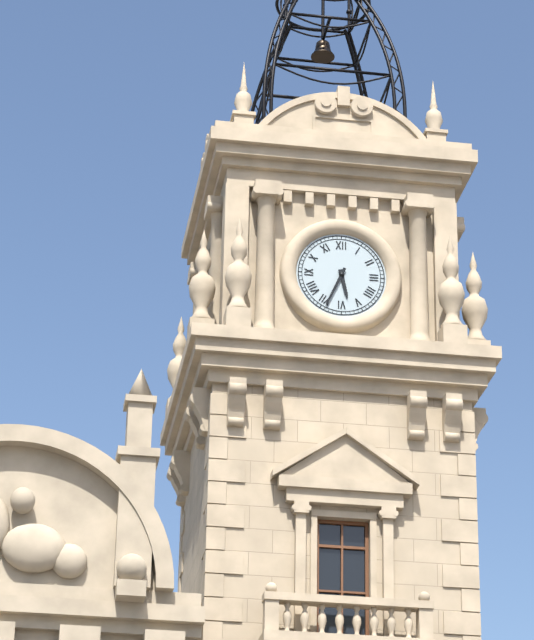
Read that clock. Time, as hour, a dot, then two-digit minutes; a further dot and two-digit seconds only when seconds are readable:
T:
5.34
